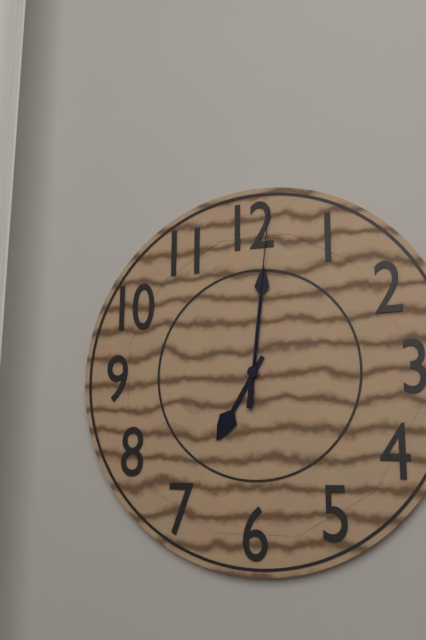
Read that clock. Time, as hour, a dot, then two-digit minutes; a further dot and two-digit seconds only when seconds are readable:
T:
7.01.01
